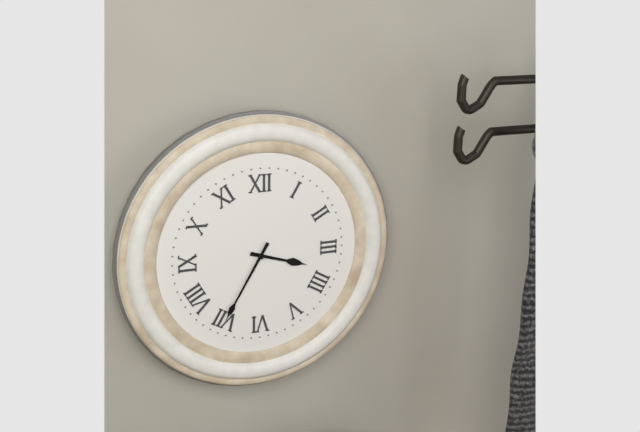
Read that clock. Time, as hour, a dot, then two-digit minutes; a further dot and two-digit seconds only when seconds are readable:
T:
3.35
